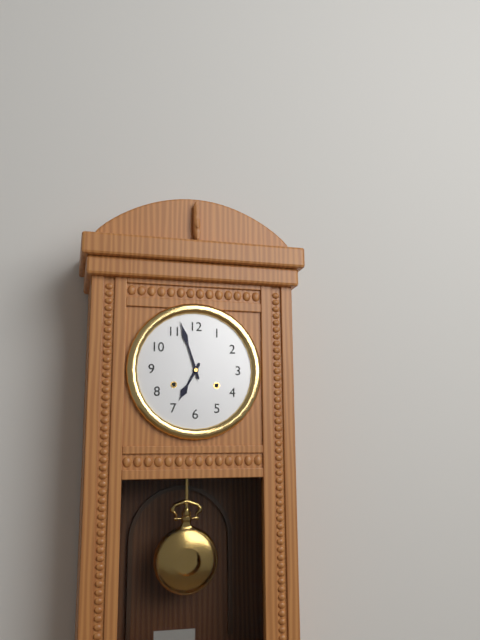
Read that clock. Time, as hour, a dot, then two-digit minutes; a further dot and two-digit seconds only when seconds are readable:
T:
6.57
